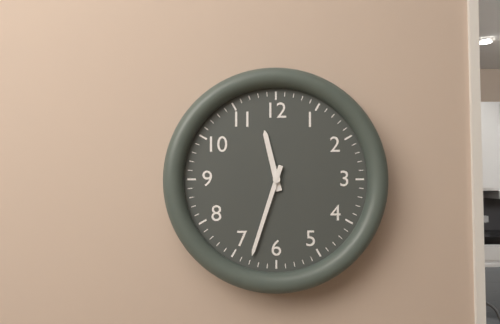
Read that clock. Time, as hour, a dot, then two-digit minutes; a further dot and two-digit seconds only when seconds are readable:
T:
11.33
